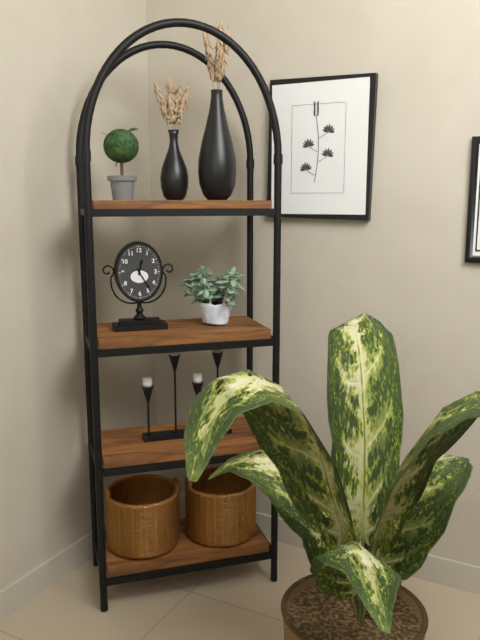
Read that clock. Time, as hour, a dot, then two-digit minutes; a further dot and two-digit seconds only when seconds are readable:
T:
12.25
